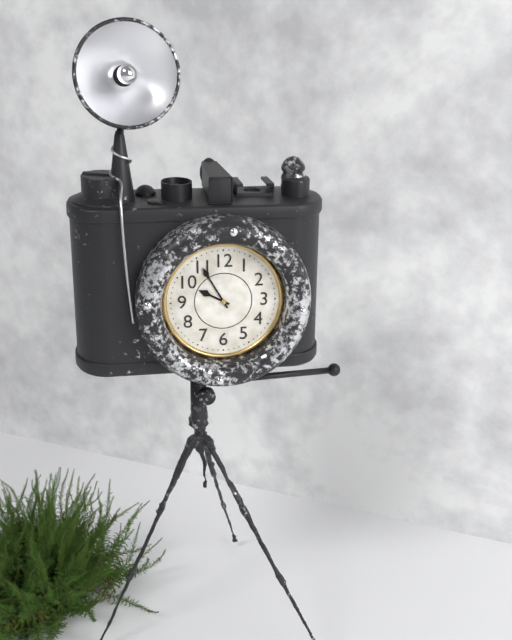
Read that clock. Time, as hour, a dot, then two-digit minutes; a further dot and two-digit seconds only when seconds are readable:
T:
9.55
